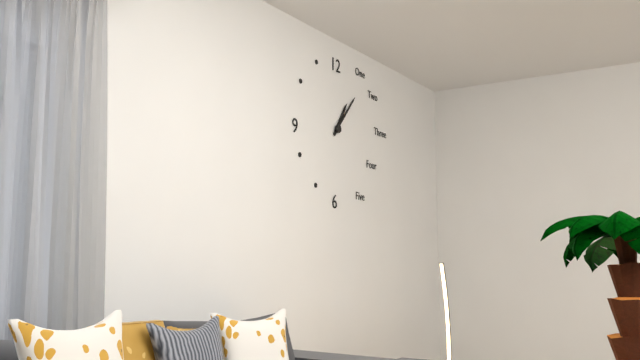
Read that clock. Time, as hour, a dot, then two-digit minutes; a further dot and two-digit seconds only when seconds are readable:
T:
1.07
